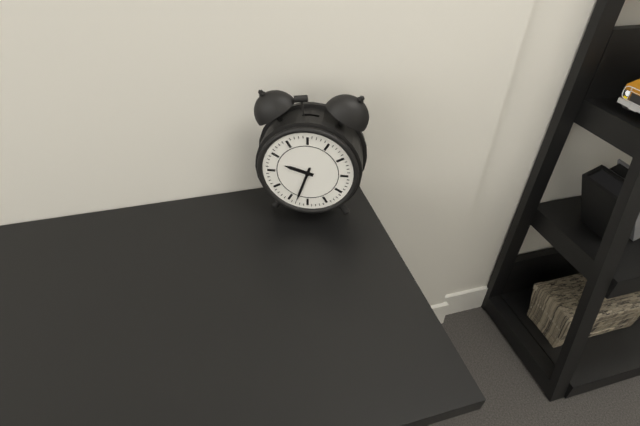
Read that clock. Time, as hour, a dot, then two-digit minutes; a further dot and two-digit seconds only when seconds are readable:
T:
9.33
